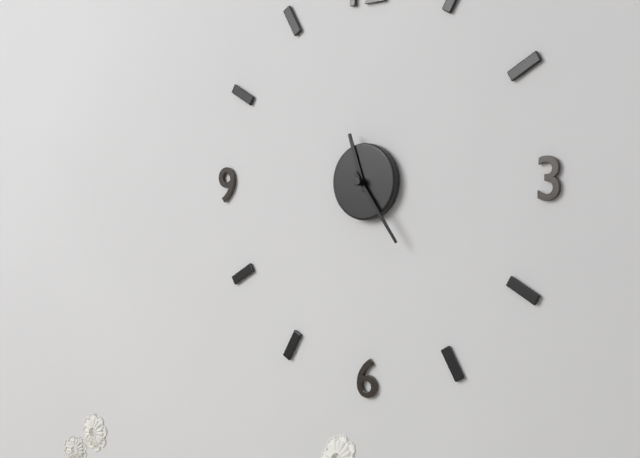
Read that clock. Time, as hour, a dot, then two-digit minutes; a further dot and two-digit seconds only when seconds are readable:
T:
11.24
